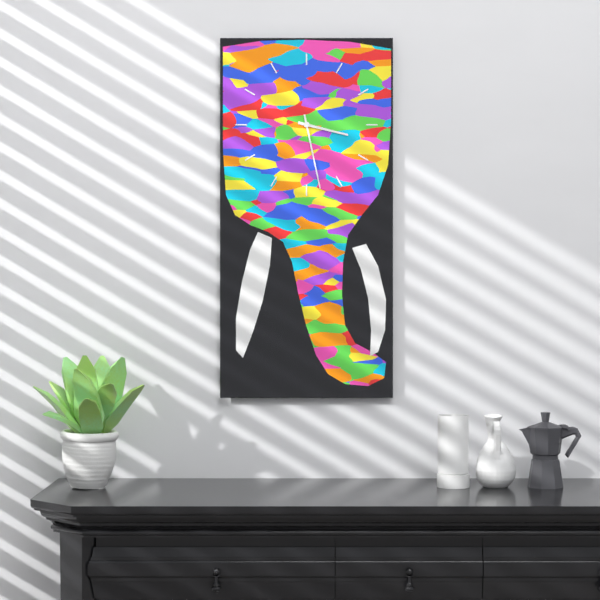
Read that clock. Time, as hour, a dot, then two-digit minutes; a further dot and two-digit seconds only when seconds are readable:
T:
3.28
